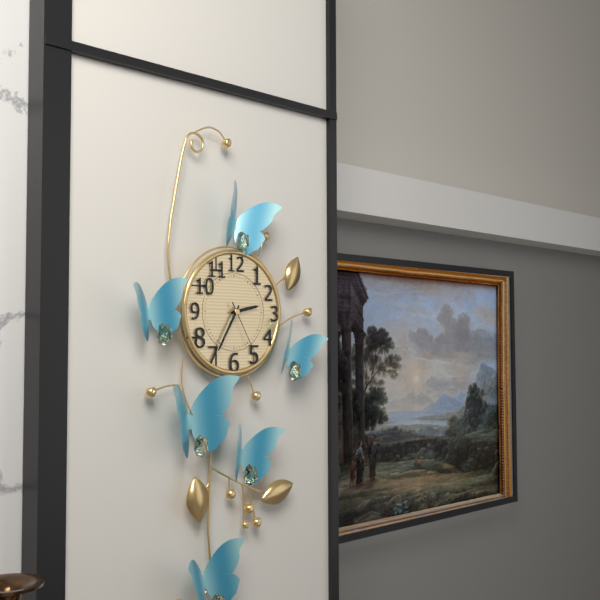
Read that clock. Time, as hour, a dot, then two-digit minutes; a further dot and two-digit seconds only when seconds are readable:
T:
2.35.25
